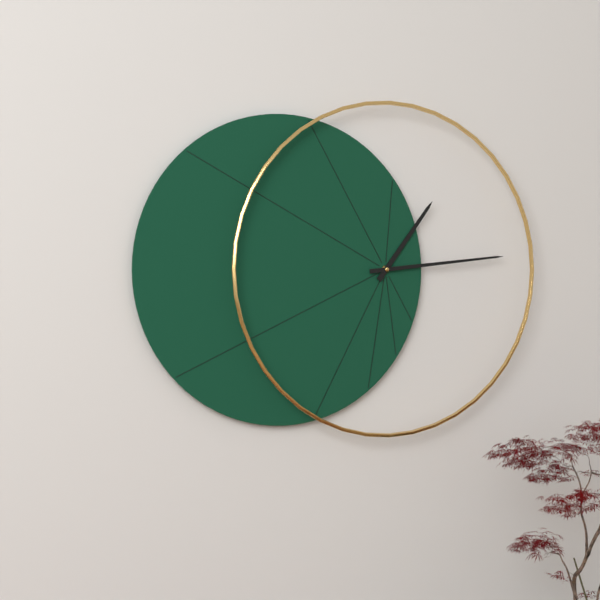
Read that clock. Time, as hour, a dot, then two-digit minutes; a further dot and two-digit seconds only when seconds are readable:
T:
1.14
